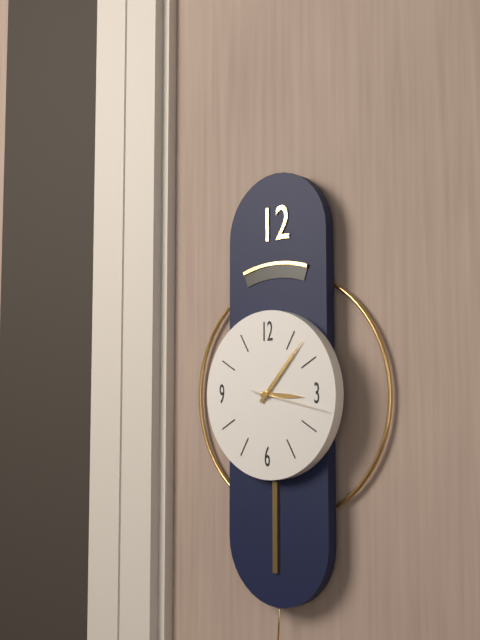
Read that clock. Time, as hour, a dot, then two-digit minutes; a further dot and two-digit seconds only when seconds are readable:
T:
3.07.17
